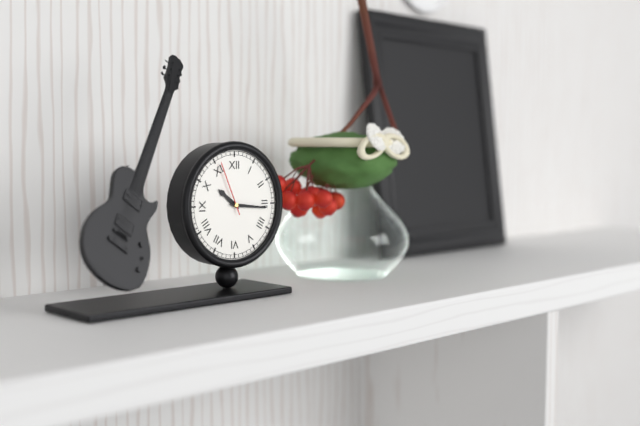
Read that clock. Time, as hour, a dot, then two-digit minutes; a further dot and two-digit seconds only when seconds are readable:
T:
10.16.56
